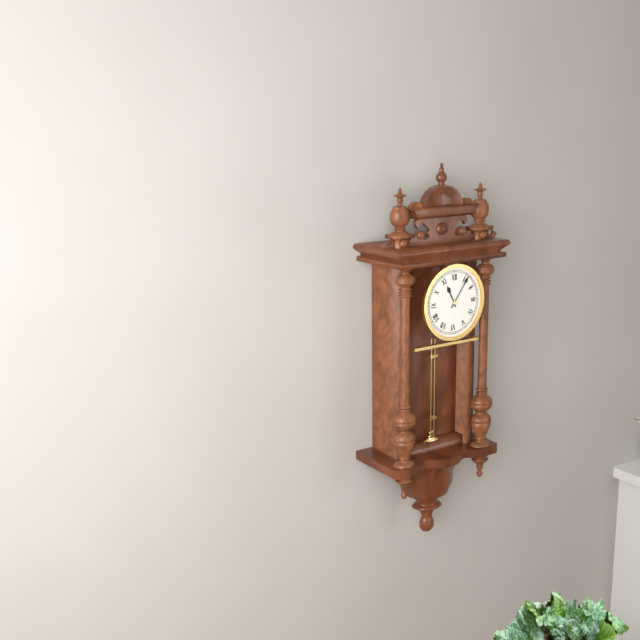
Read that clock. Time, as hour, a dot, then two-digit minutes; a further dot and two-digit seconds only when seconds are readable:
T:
11.06
